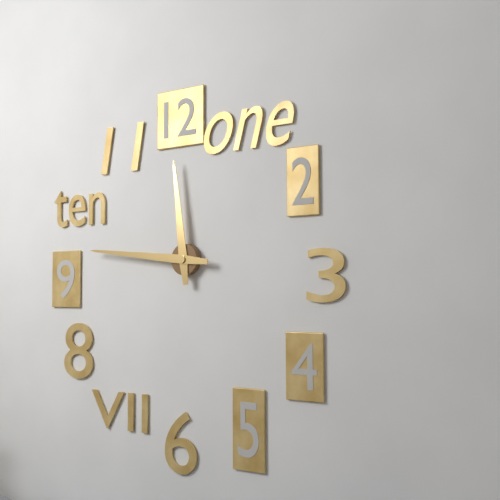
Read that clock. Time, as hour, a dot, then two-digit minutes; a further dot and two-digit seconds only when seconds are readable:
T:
11.46
